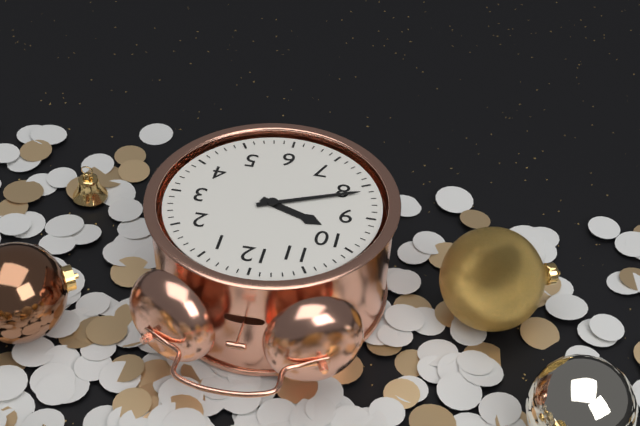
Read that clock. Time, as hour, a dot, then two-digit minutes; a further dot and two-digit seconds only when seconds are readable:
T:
9.41
